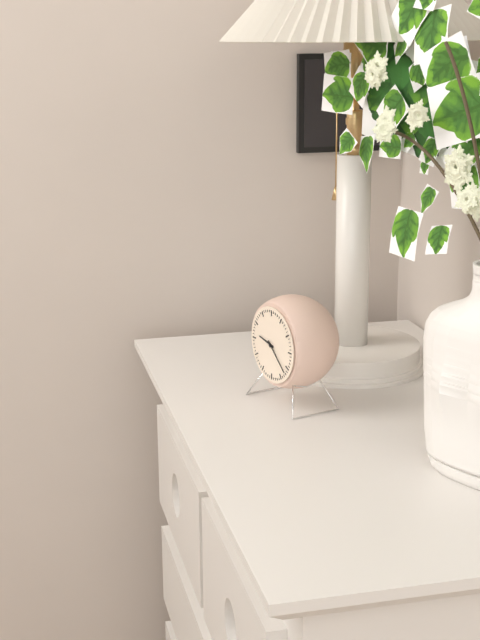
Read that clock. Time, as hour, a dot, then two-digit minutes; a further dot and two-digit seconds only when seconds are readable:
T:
9.22
